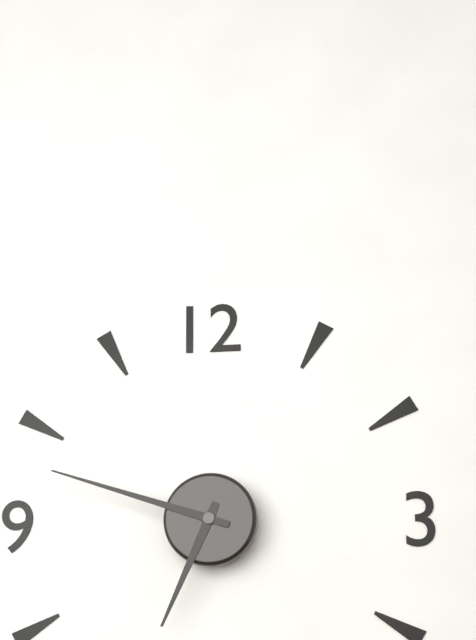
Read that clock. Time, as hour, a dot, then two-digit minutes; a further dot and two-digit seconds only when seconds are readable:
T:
6.48
